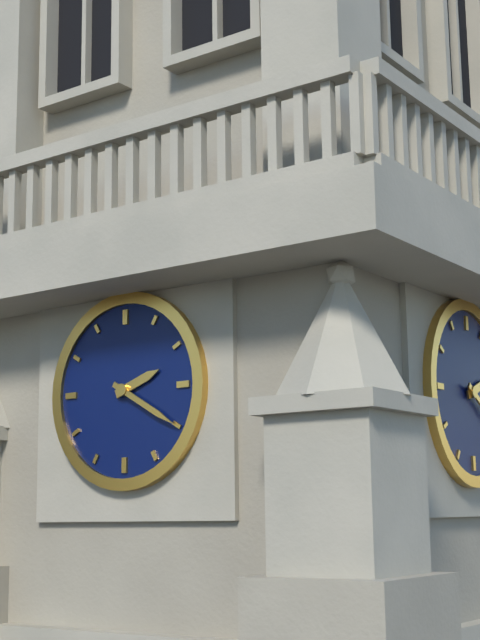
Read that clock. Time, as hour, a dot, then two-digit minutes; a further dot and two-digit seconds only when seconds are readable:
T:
2.20
